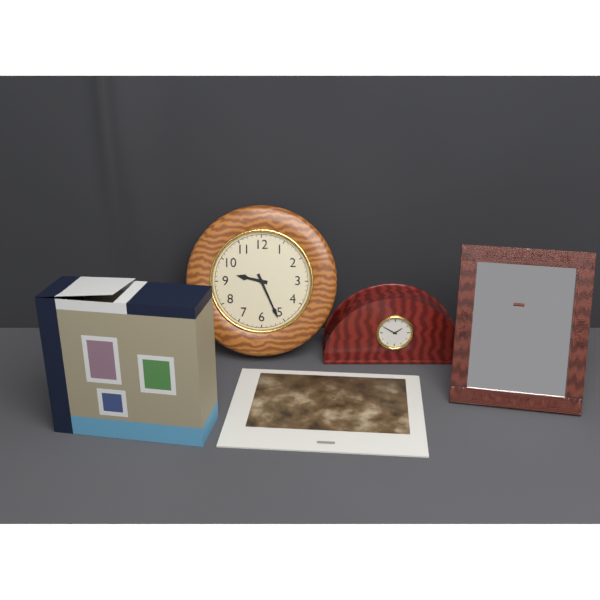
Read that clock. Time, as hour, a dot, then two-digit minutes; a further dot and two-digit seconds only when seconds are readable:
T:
9.26
